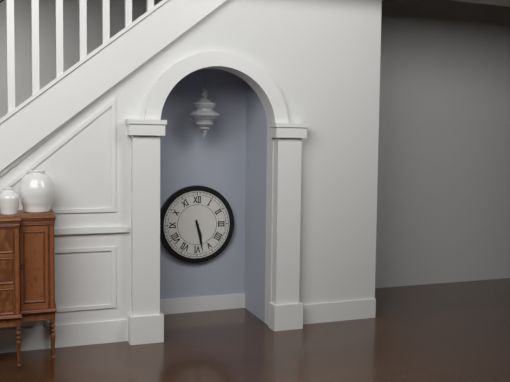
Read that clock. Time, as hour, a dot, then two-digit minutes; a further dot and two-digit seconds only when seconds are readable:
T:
5.28
